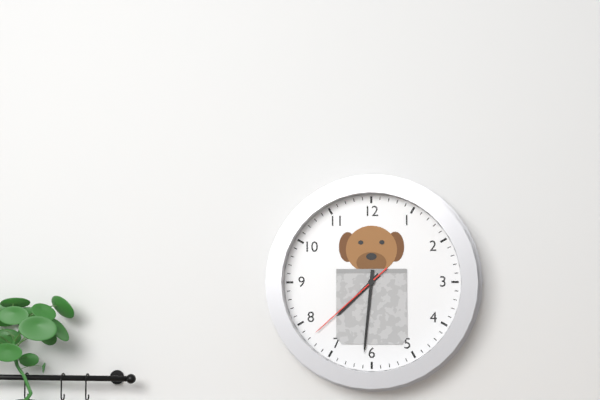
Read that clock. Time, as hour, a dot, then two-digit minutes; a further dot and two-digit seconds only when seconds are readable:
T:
7.31.38
